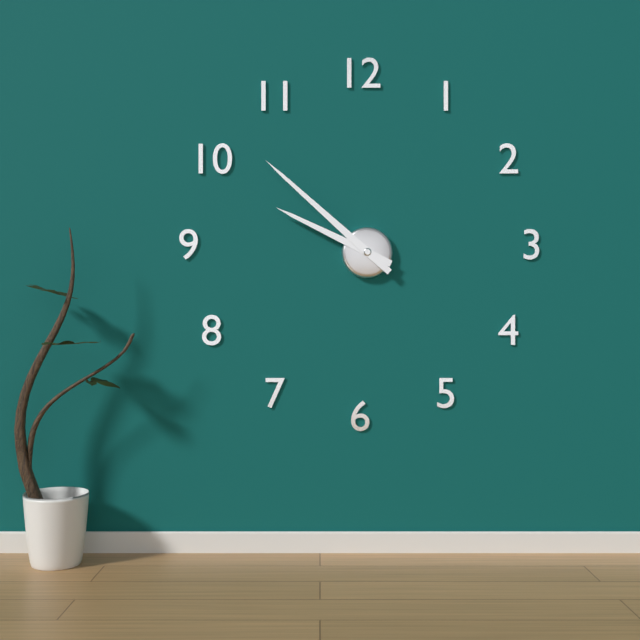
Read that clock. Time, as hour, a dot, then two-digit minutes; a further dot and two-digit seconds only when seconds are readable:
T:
9.52
